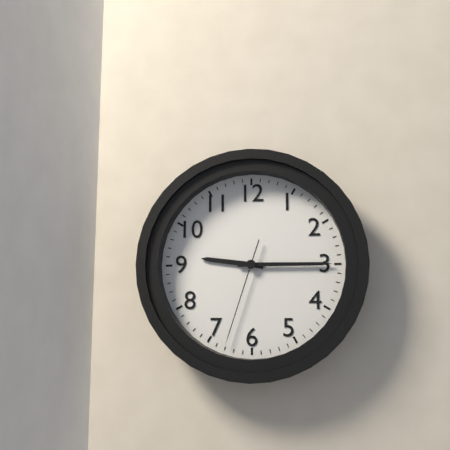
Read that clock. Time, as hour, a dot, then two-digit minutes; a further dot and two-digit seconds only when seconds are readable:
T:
9.15.33
